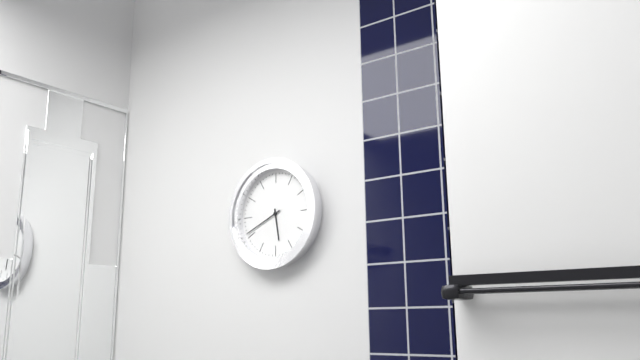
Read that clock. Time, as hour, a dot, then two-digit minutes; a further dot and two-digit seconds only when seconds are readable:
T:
5.41
